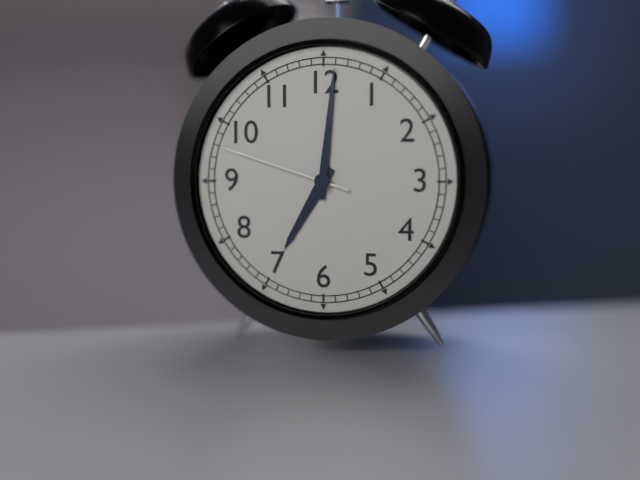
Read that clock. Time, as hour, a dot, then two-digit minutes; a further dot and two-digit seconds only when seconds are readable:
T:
7.01.48
